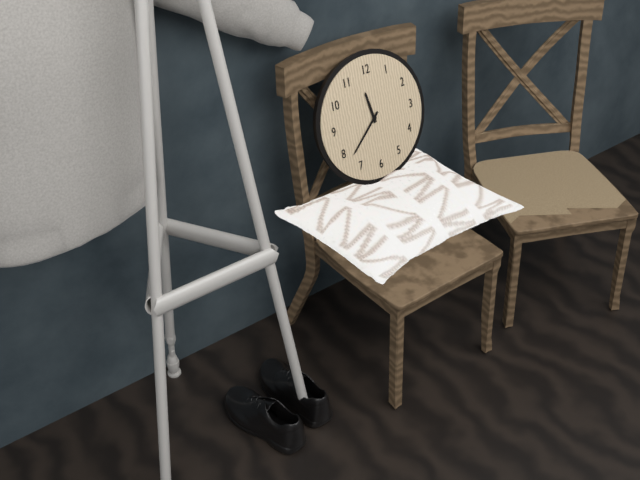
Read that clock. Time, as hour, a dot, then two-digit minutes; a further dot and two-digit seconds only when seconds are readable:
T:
11.38
